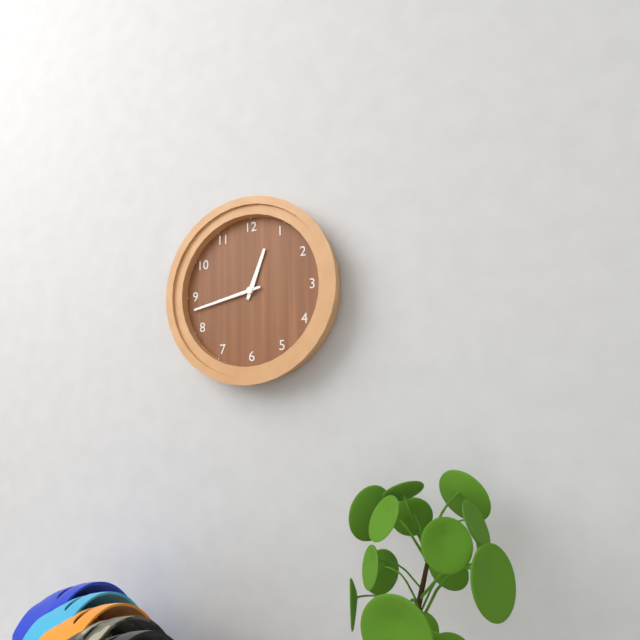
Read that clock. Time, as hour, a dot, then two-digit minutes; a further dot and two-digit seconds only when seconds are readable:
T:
12.43
